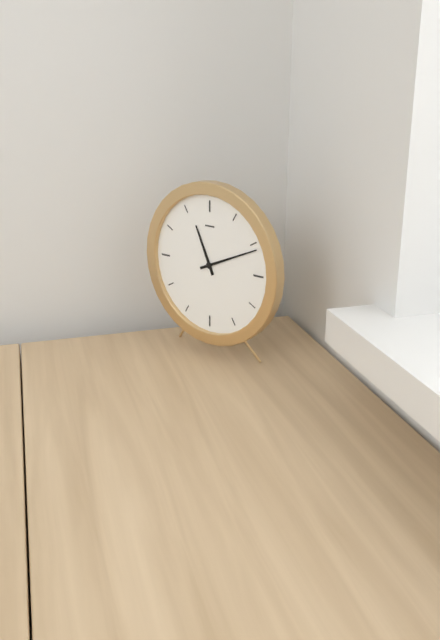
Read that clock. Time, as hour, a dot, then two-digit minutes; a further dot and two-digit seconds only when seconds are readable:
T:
11.11
